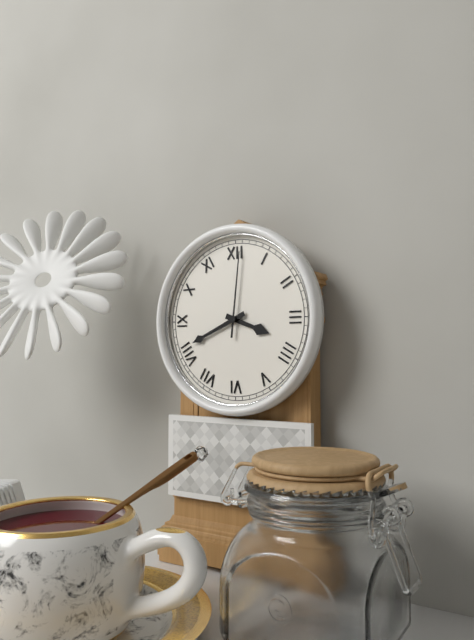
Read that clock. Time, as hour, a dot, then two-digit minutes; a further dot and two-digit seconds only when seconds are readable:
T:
3.41.01
